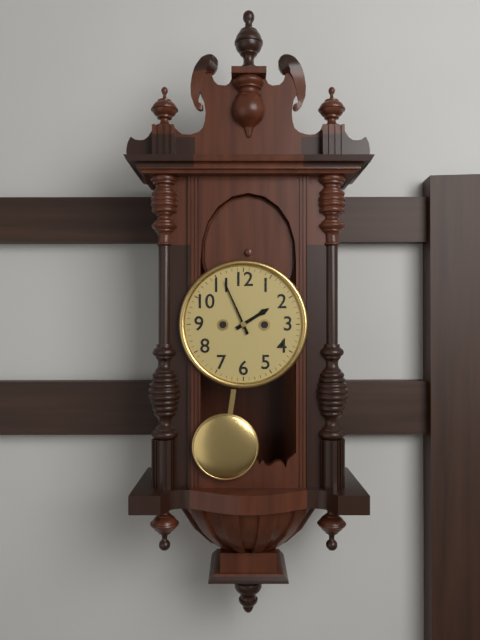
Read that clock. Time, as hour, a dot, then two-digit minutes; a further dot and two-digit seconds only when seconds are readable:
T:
1.56
